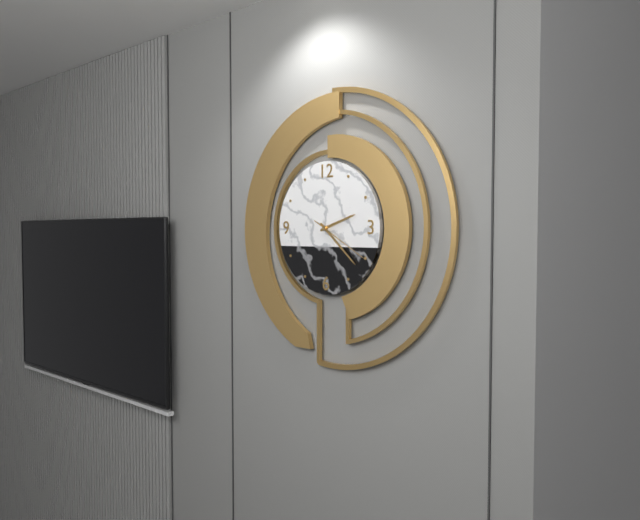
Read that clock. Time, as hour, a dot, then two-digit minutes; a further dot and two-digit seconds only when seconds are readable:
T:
2.22.20
